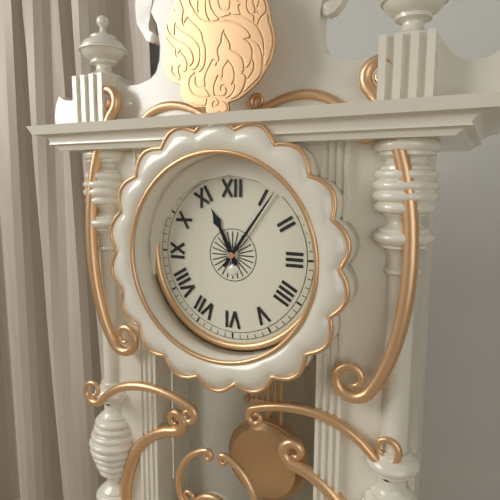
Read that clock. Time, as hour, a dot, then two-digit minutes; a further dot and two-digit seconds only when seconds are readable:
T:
11.06
